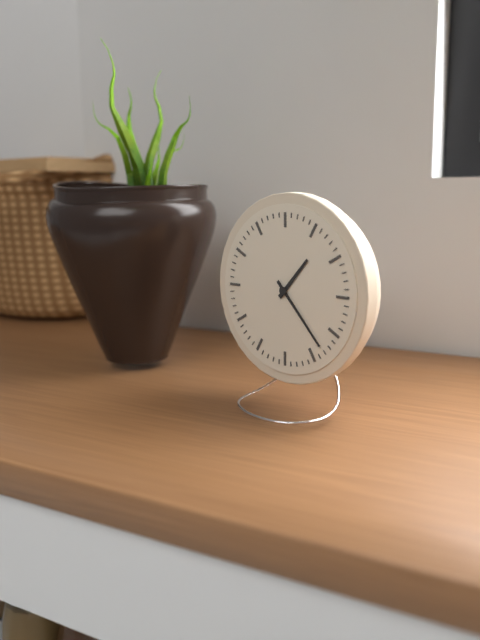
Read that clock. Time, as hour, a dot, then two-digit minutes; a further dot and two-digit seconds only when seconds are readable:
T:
1.23
